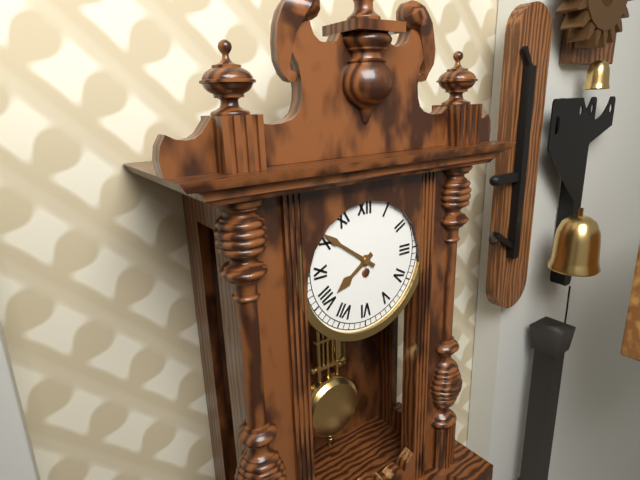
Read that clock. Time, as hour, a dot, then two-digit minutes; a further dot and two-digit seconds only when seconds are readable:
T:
7.51
